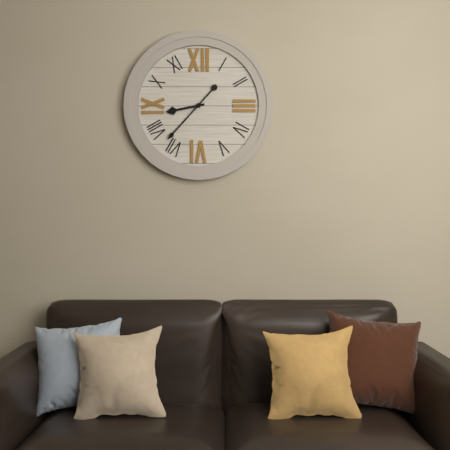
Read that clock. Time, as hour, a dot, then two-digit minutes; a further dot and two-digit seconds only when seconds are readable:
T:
8.37
